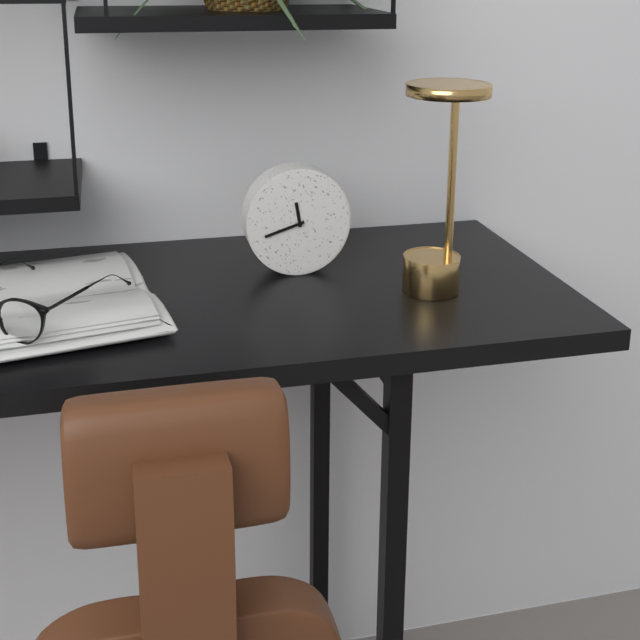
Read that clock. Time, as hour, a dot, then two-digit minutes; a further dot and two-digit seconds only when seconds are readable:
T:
11.42
